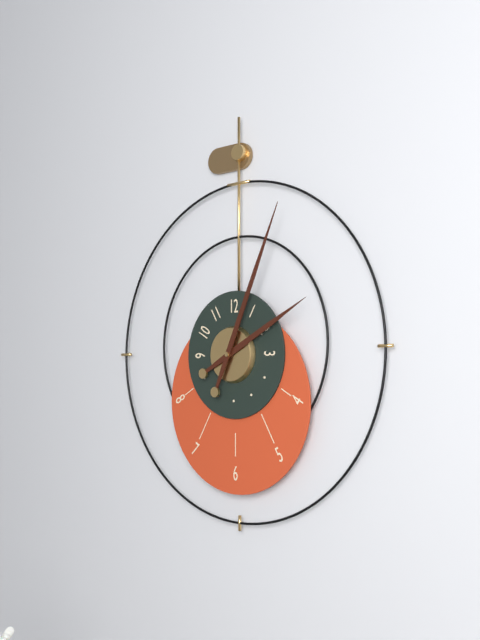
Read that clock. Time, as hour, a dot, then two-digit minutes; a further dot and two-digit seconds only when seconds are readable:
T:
2.04
